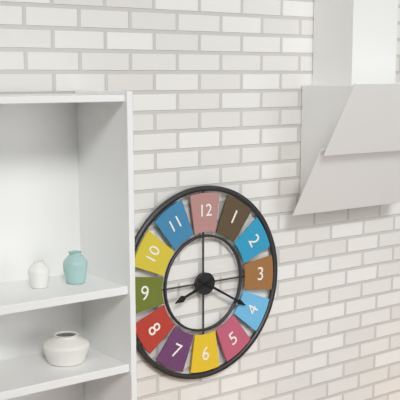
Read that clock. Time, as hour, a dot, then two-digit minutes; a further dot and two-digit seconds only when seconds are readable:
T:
8.20
